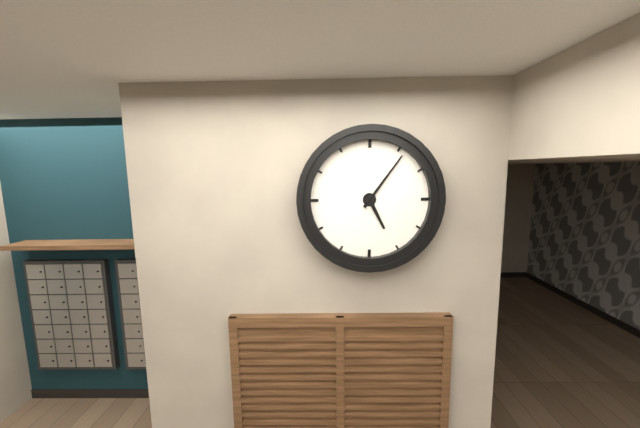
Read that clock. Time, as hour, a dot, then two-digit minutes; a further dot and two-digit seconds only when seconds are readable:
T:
5.06
